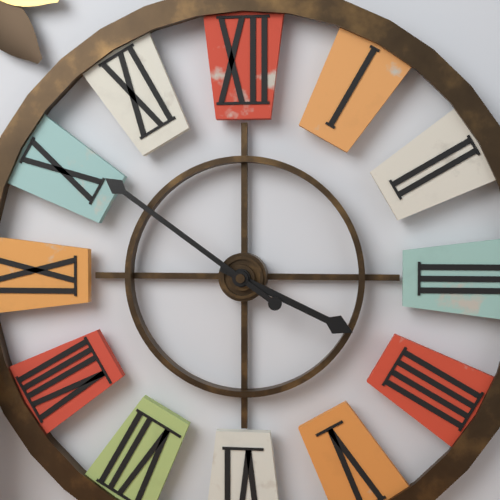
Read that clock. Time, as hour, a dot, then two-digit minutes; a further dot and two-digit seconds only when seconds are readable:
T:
3.51
